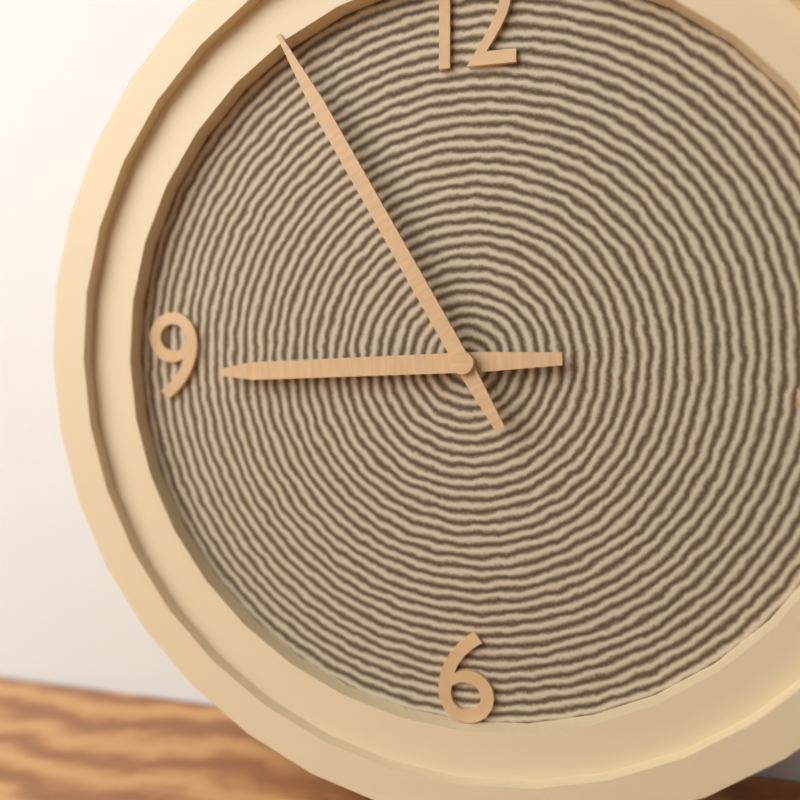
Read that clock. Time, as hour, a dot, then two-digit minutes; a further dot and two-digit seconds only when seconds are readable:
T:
8.55
